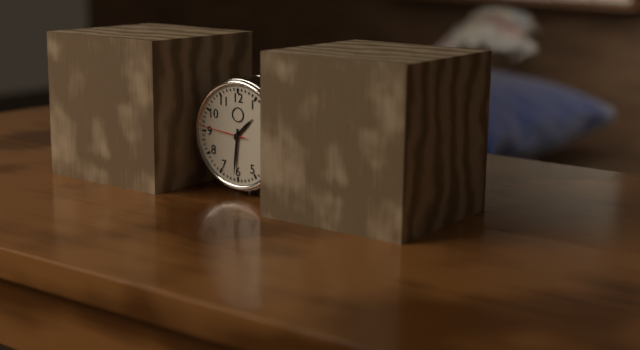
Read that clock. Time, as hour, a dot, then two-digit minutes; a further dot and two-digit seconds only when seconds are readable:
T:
1.31
